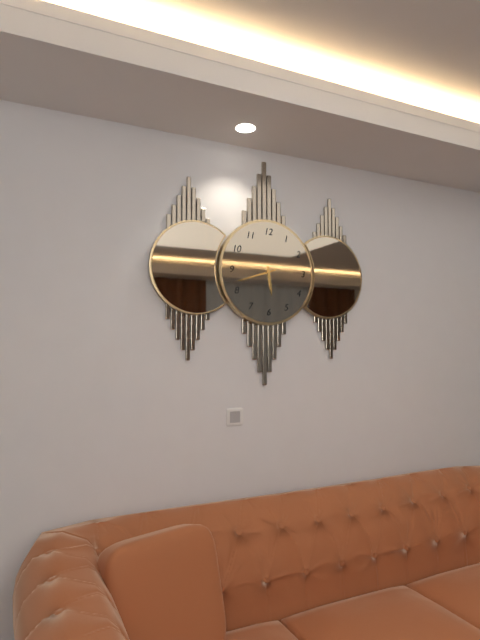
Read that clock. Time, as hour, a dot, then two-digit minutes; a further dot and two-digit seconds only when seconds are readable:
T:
5.42
